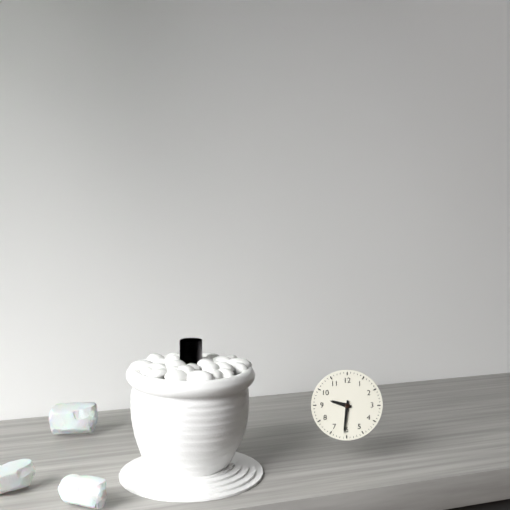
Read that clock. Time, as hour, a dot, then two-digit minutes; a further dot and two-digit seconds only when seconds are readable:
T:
9.31
